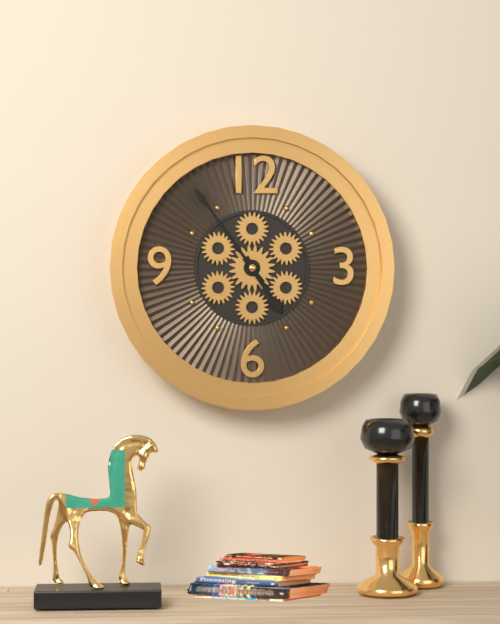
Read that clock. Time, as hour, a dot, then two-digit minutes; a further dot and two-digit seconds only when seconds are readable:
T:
4.54
